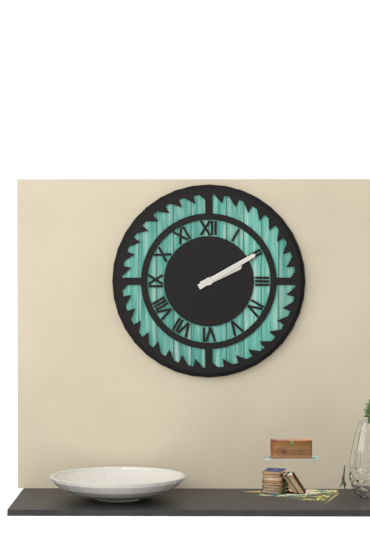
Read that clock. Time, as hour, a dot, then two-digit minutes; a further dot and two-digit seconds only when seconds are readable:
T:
2.10
